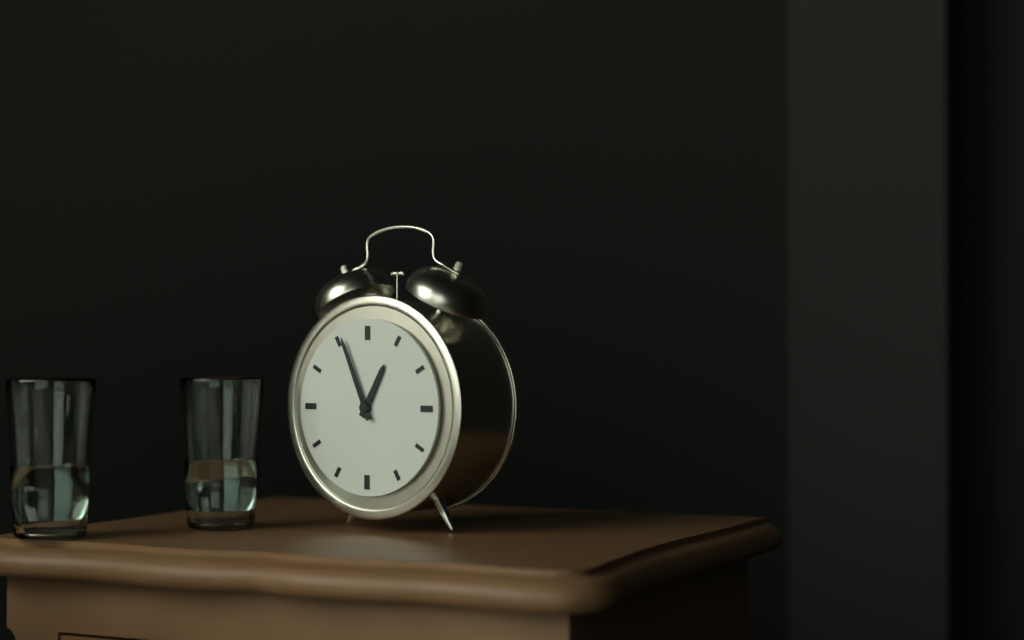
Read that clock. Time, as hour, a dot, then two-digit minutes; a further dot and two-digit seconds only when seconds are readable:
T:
12.56
